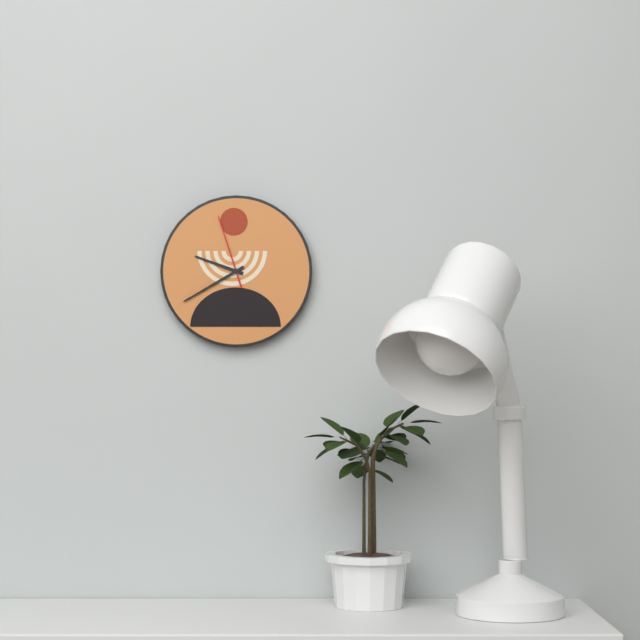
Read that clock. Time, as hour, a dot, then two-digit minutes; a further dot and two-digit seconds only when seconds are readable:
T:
9.40.57
